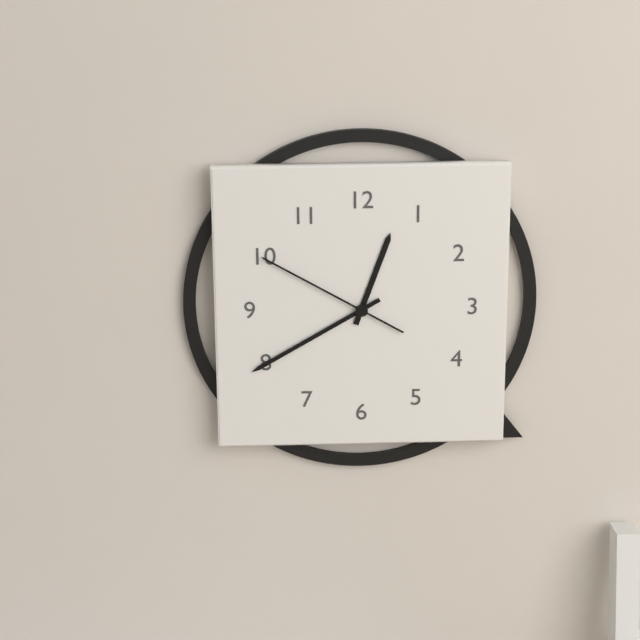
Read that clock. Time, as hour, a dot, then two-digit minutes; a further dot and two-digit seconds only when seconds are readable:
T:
12.40.50
